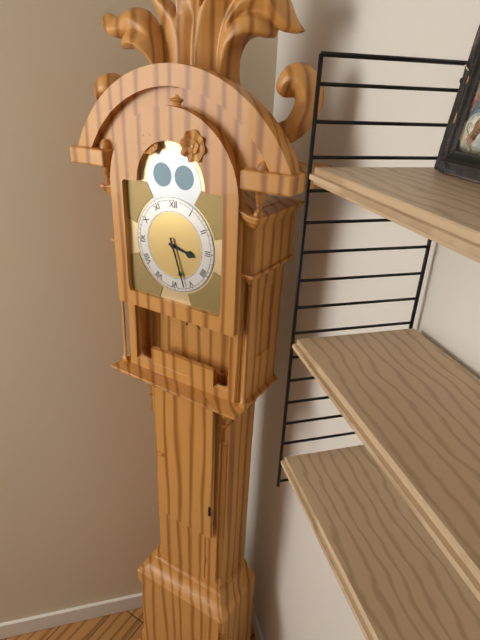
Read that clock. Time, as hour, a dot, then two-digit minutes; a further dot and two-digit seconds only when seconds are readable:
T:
3.27
